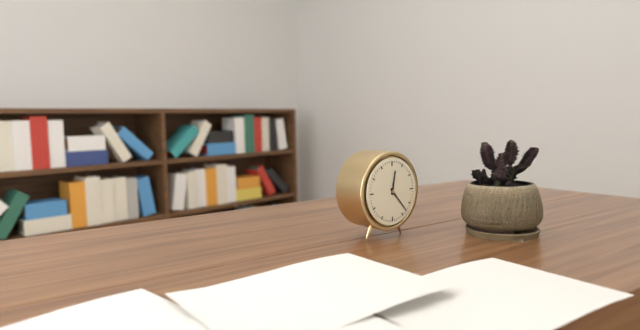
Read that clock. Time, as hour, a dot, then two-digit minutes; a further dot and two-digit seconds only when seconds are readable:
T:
12.23
